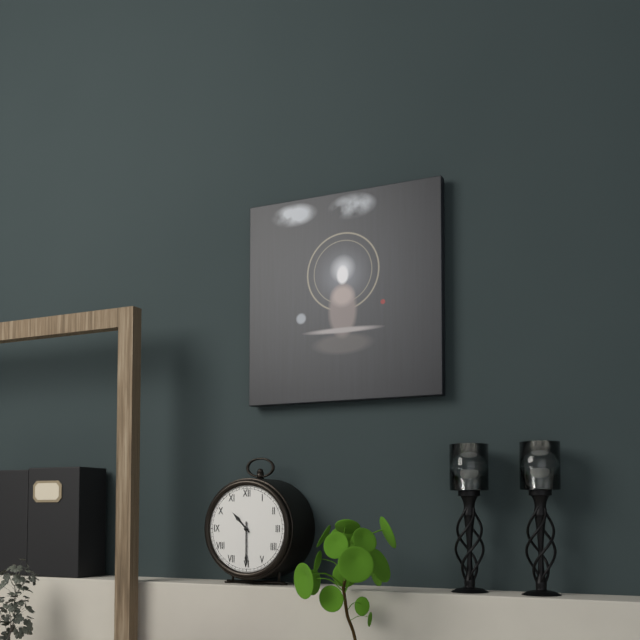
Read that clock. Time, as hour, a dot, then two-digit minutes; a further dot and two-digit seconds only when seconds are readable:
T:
10.30
